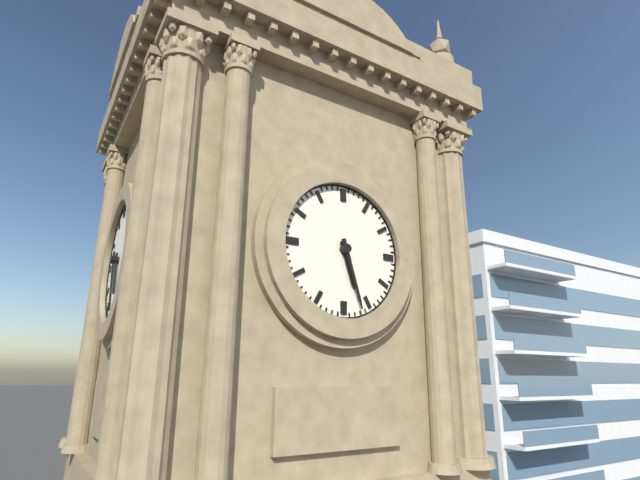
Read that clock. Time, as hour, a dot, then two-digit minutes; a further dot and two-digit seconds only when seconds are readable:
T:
5.27
